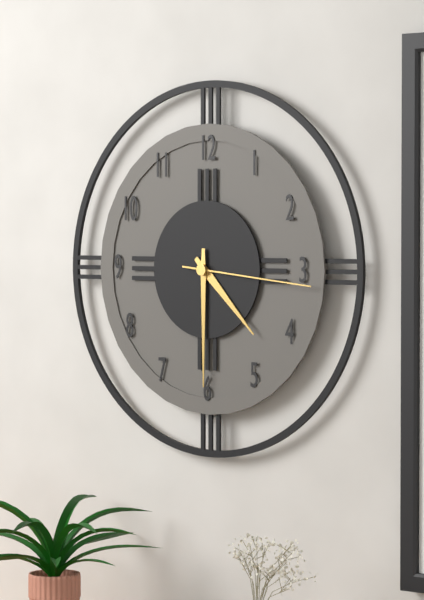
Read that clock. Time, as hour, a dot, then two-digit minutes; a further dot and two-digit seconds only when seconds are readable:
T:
4.30.16
